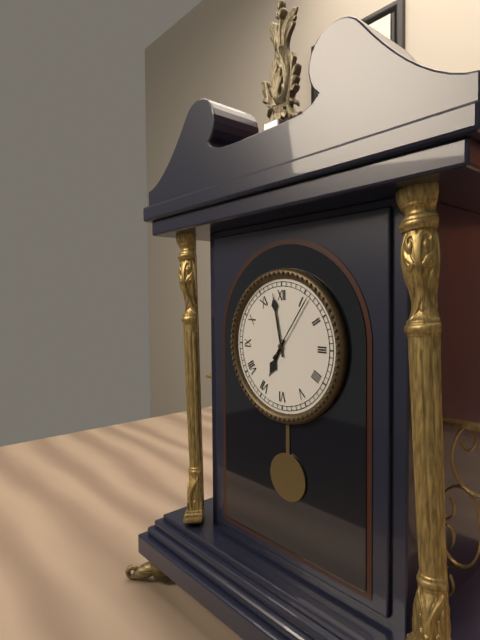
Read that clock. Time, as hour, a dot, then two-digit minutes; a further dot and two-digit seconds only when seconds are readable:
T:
6.58.06
